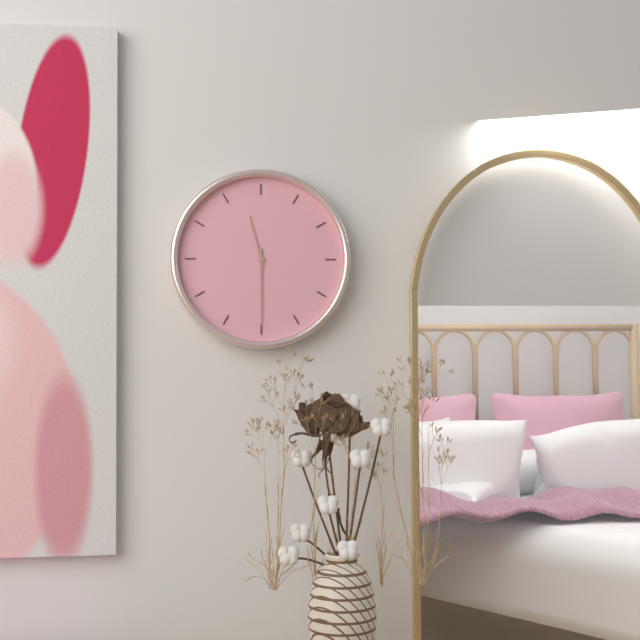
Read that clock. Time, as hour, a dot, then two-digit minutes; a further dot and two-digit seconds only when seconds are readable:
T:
11.30
